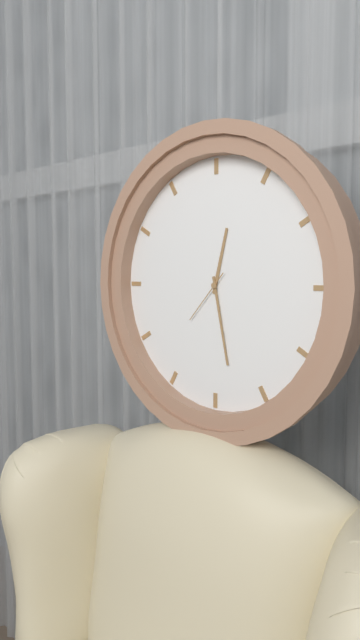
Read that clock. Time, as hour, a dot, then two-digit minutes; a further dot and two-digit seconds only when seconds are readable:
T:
12.28.37
